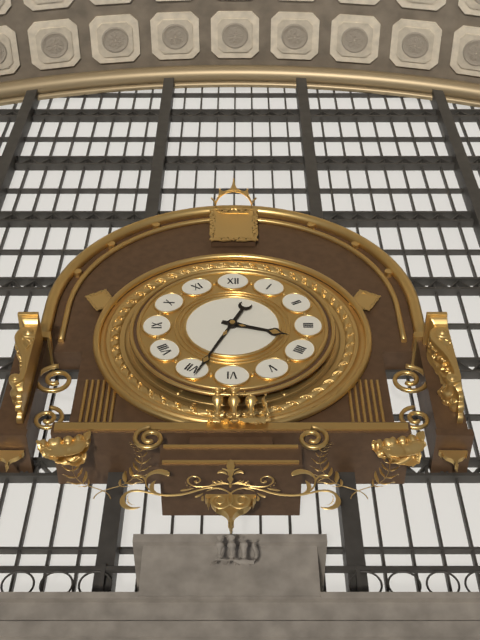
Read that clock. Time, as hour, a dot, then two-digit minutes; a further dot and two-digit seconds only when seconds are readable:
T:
3.34
